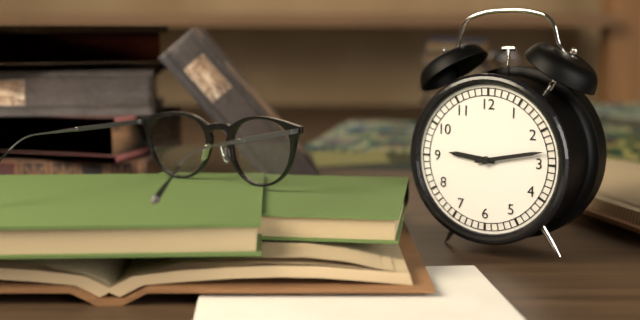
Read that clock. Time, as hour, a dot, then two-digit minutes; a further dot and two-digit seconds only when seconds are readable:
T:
9.13
